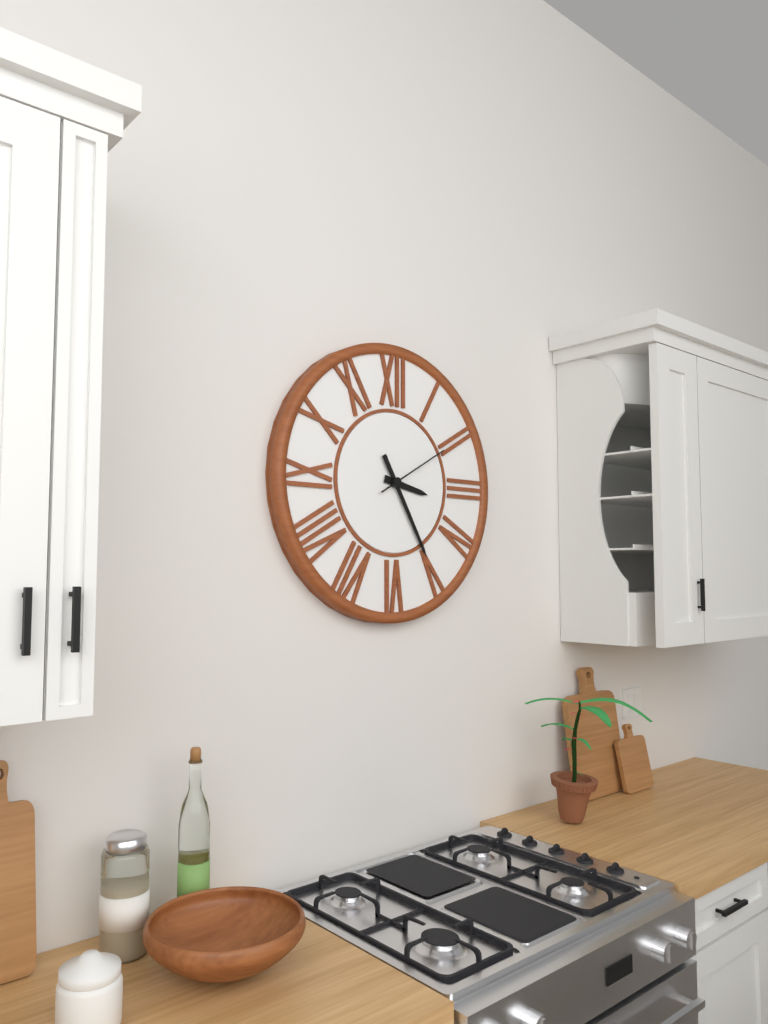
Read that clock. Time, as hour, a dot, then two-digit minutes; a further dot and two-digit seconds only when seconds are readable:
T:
3.25.10
